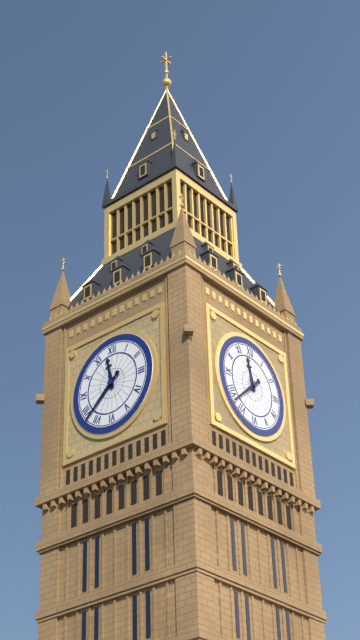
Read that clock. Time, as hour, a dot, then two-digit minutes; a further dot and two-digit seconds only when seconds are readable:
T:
11.38
